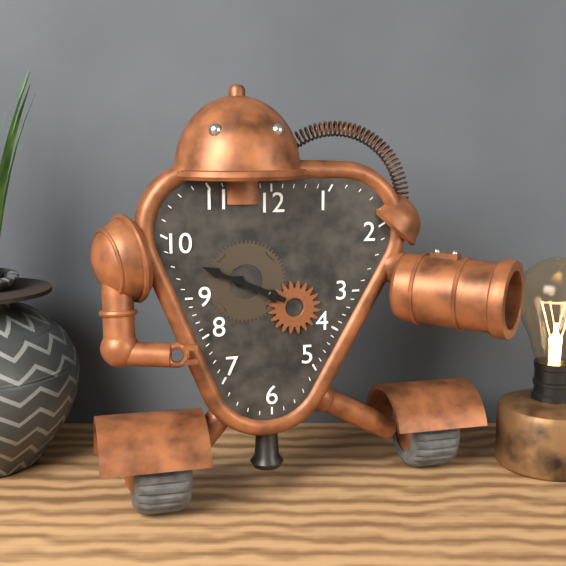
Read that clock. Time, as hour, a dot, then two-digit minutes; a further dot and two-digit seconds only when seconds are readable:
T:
9.49
